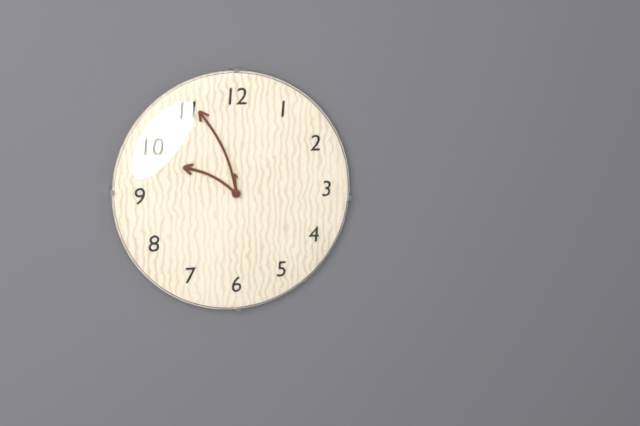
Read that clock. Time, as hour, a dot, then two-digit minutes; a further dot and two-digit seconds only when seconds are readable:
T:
9.56
